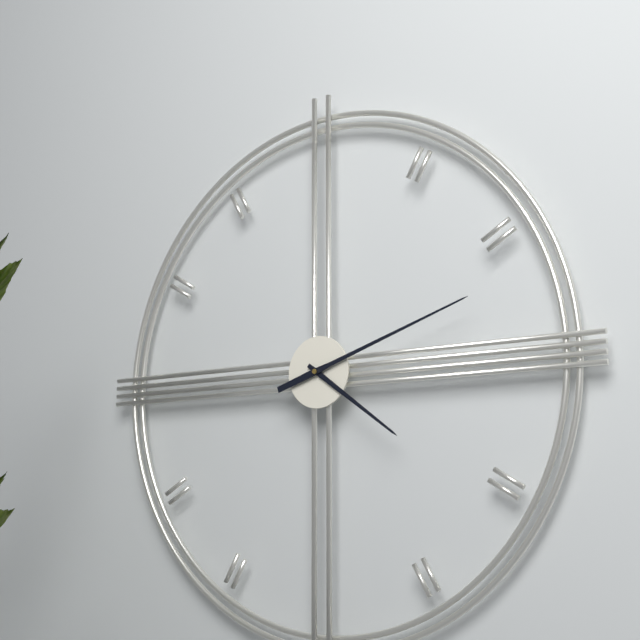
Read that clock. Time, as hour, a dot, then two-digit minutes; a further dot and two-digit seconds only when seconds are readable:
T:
4.12
